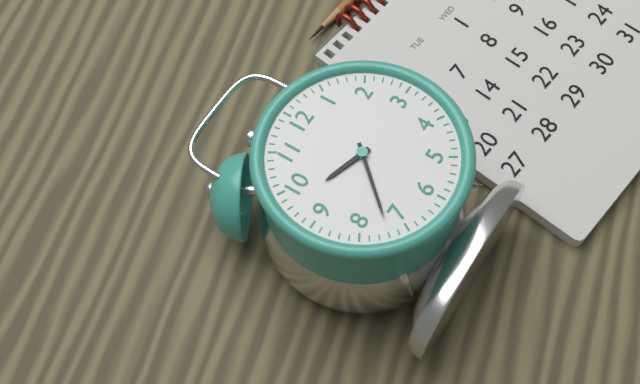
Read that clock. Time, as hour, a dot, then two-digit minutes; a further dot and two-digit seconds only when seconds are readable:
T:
9.37
